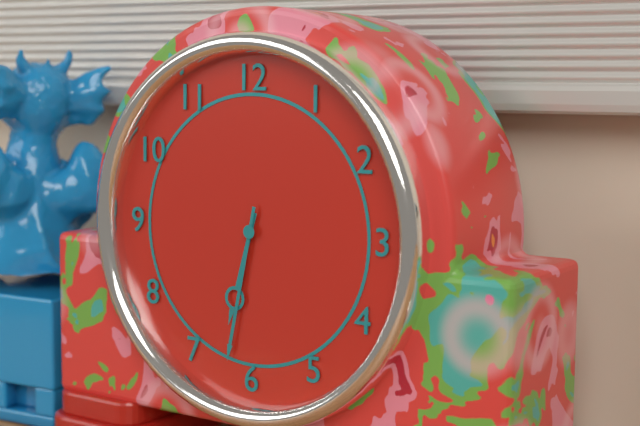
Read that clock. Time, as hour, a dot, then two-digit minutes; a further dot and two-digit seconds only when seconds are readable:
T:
6.32
